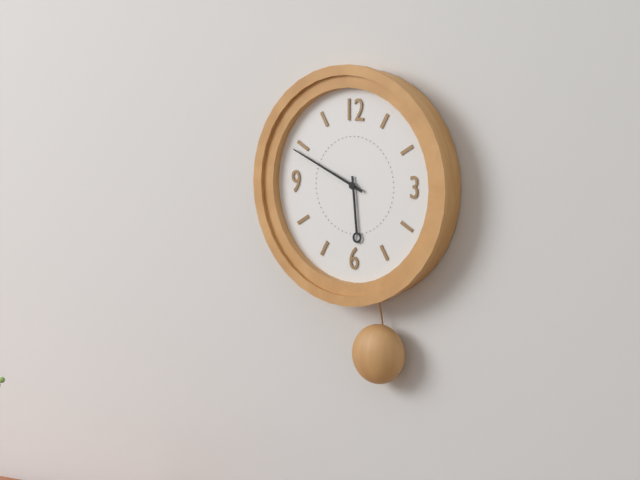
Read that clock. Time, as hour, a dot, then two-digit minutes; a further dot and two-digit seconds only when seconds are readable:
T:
5.49
